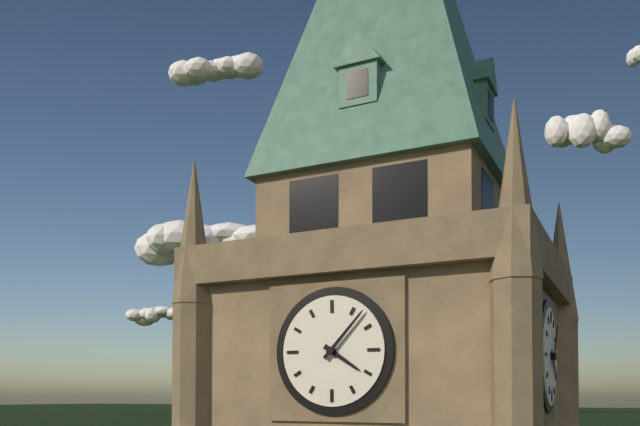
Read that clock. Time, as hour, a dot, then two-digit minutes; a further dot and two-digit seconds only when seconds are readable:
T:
4.07
